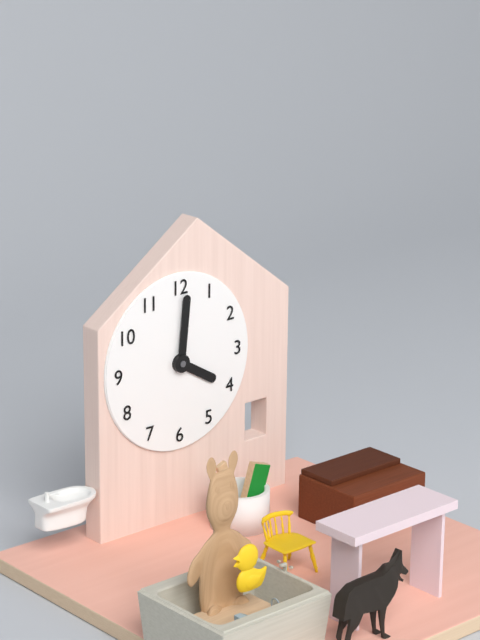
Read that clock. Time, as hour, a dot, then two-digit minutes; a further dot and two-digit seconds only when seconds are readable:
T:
4.01
